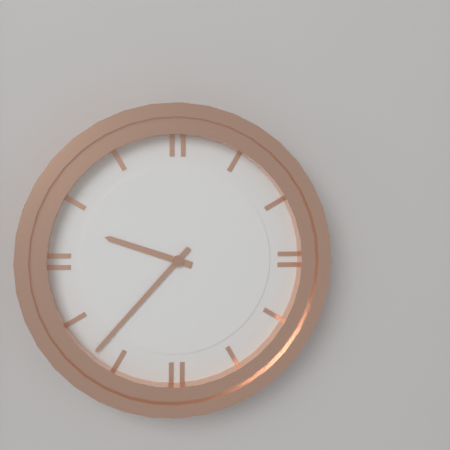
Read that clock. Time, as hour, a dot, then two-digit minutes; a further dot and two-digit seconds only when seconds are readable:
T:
9.37
